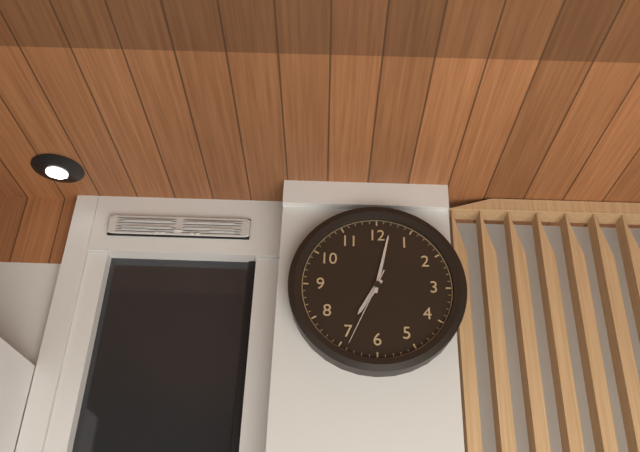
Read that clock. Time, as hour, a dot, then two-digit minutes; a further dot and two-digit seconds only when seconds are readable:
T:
7.02.34
